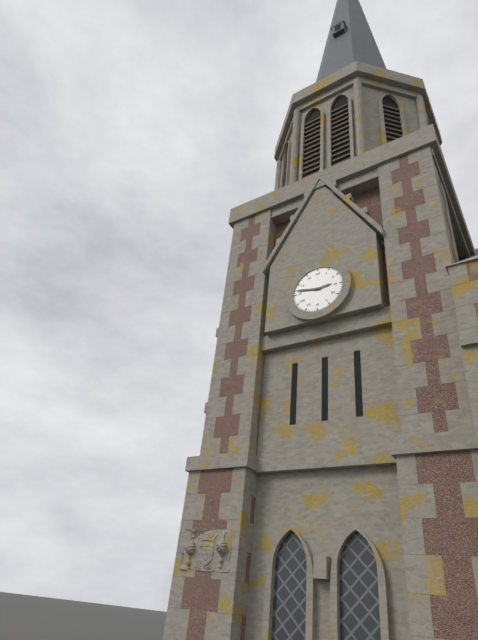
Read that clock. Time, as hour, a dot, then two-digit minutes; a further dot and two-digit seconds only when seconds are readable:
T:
2.47
